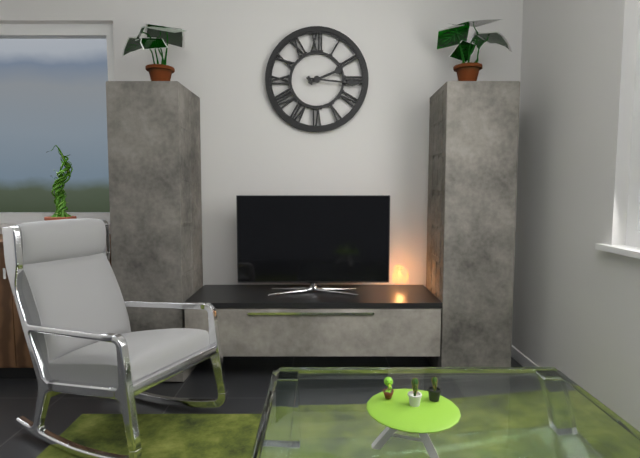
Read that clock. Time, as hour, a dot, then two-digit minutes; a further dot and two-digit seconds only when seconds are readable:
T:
2.16
